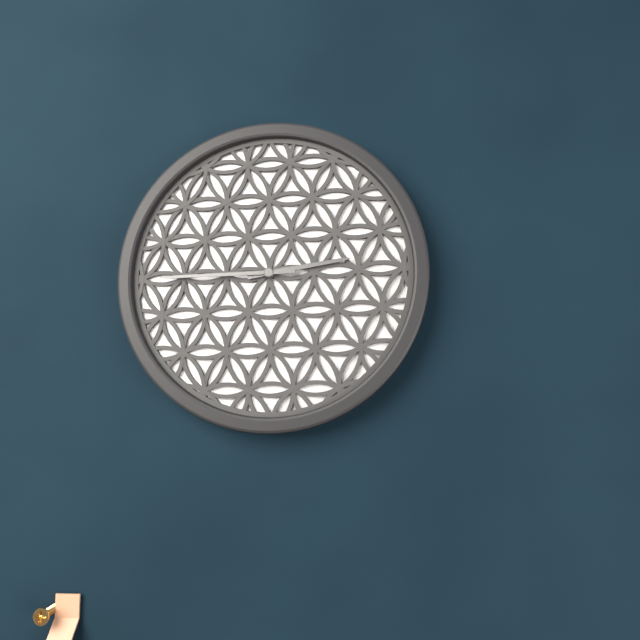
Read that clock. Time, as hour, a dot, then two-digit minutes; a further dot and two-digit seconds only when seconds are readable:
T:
2.45
